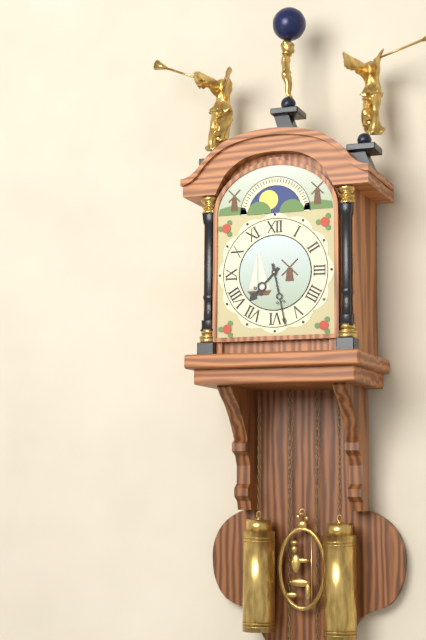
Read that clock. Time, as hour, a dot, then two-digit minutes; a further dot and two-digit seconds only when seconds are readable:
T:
7.28
